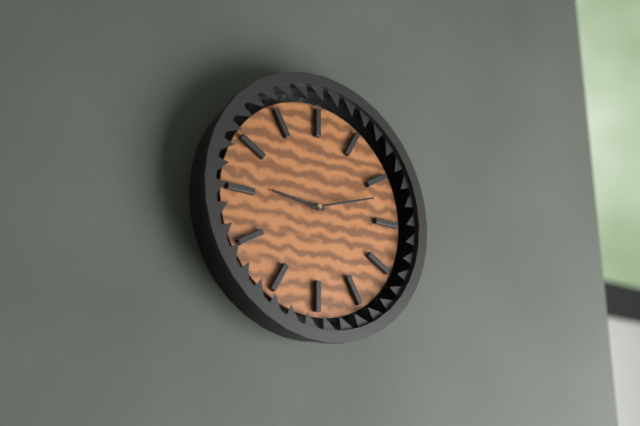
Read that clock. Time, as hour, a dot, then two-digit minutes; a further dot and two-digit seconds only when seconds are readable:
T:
9.12
